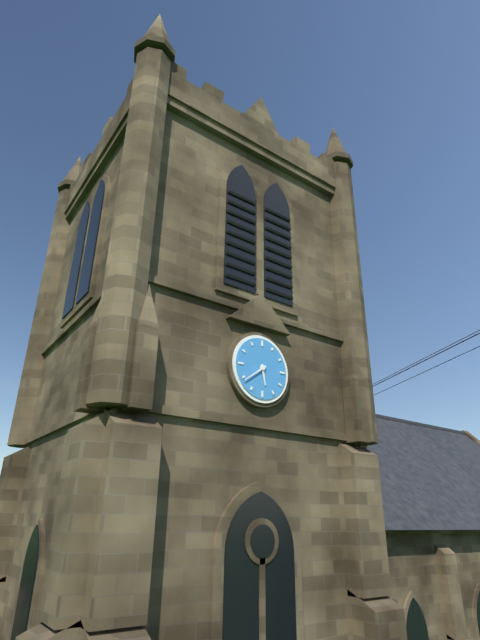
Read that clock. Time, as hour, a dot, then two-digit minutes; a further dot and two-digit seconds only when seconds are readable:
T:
5.39
